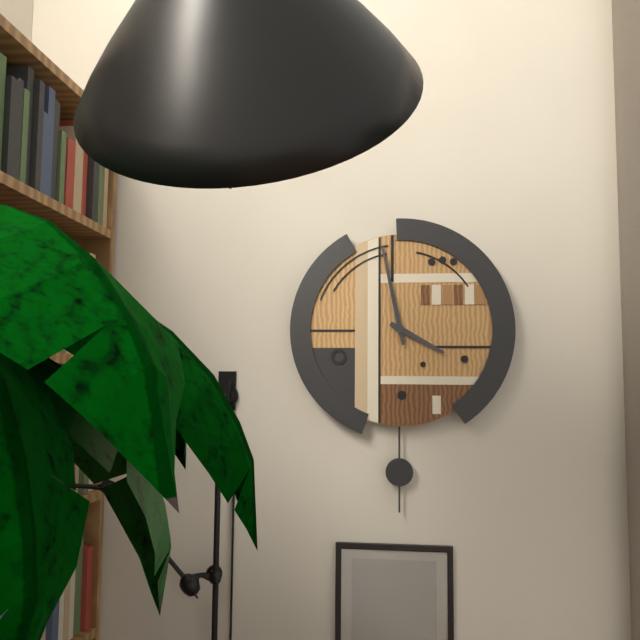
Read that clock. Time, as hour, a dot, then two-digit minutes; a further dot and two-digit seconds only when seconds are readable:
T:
3.58
